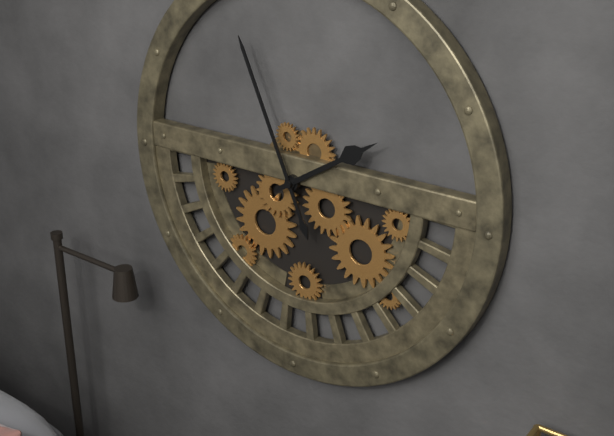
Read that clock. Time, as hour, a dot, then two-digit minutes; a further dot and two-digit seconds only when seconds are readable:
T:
1.56
